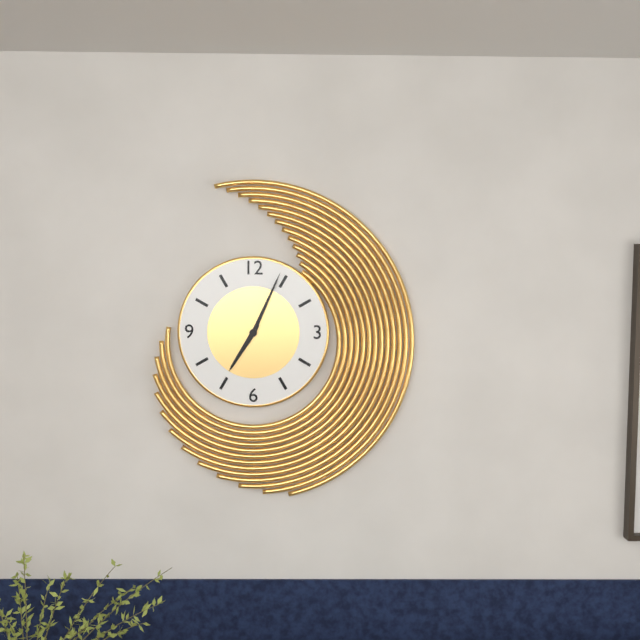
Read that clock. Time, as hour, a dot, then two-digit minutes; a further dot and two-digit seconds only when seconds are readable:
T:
7.04
